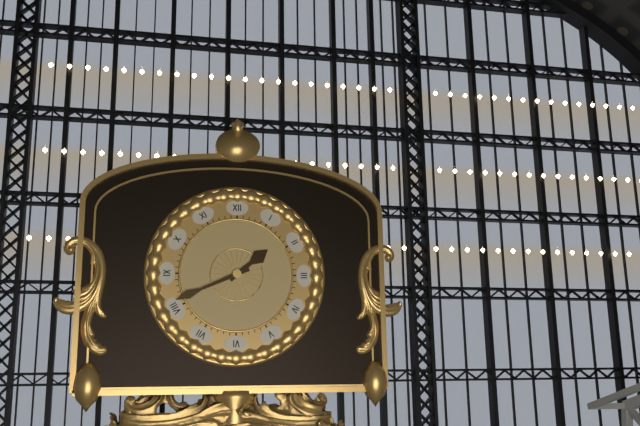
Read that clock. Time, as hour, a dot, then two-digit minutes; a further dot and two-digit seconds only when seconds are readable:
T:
1.41
